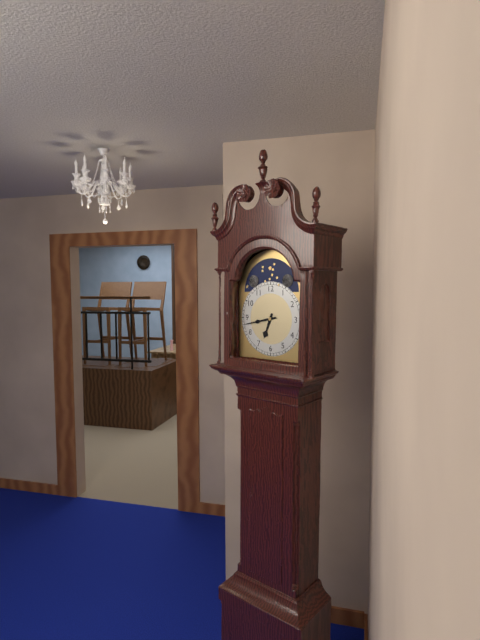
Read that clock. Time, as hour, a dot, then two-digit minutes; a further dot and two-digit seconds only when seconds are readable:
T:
6.43
